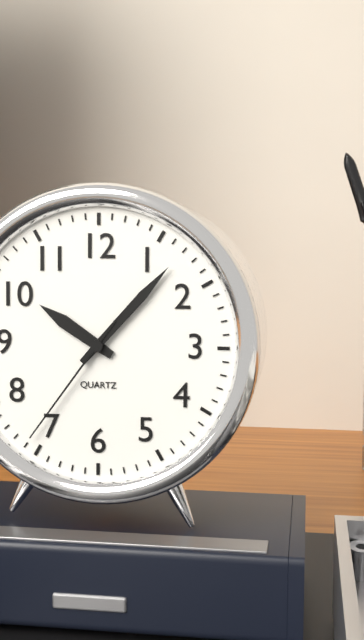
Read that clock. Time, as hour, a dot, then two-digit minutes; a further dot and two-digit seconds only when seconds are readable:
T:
10.07.36
